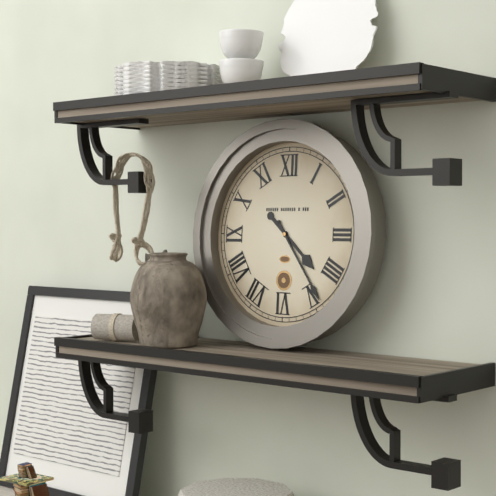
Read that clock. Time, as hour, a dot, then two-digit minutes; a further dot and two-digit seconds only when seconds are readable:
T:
4.24
